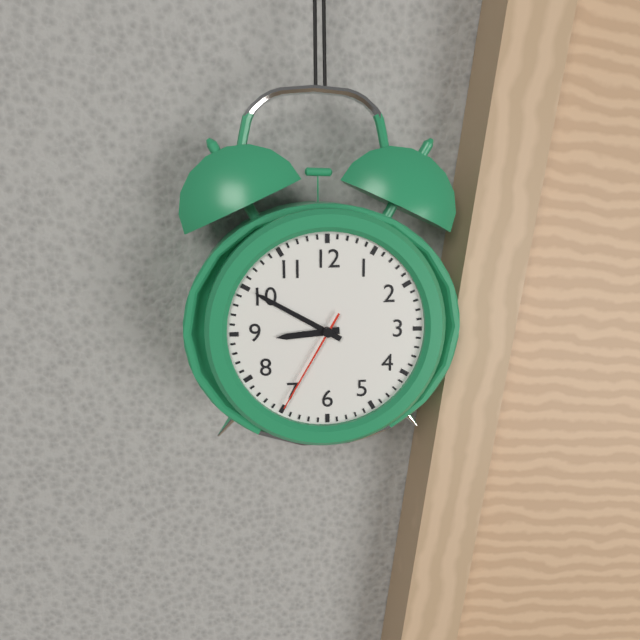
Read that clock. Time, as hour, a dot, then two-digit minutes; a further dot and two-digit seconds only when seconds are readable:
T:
8.50.35
